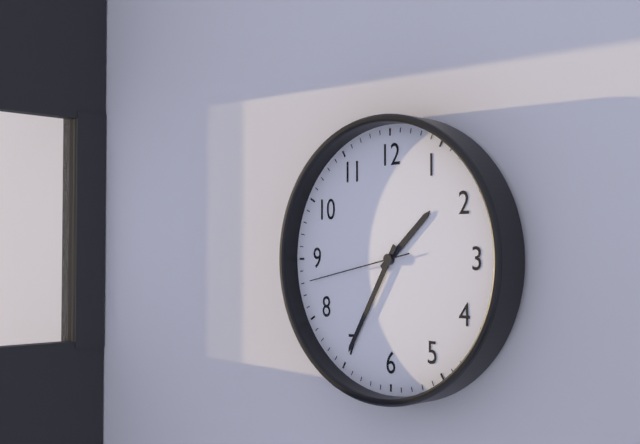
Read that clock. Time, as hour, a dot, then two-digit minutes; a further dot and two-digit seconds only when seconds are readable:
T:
1.35.43
